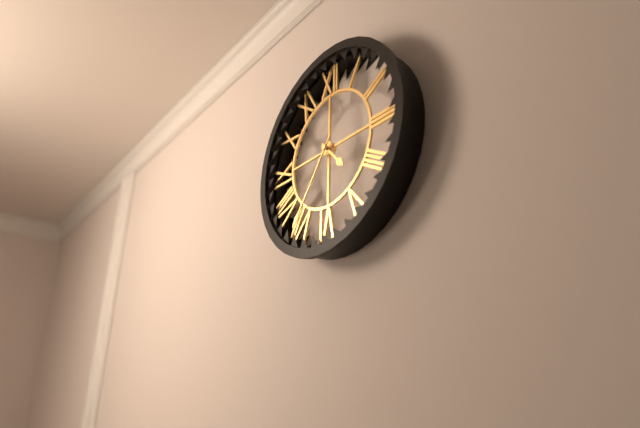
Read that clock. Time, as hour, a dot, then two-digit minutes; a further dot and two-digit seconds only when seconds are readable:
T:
4.36
